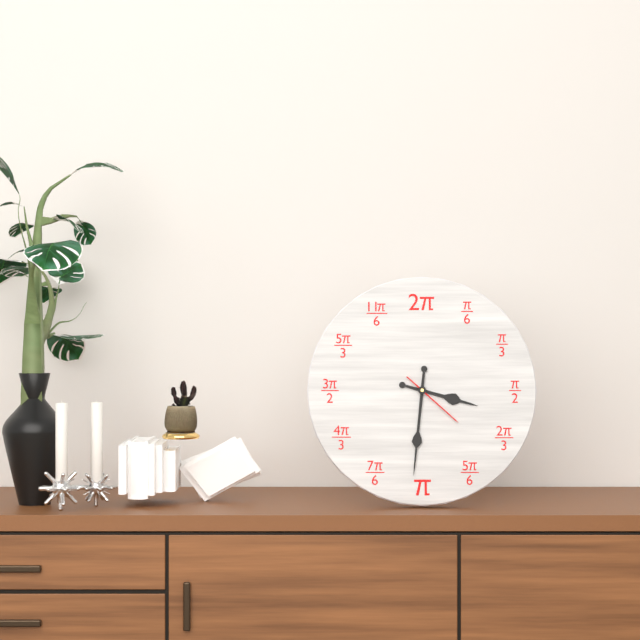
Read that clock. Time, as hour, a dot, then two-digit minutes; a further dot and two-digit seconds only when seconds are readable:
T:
3.31.22
